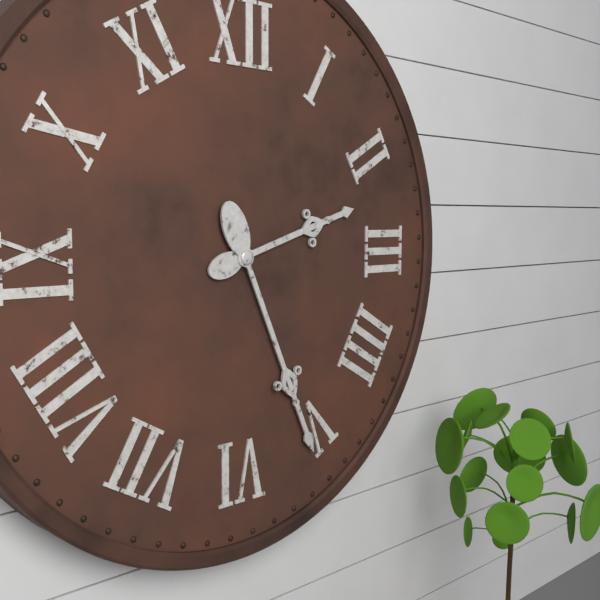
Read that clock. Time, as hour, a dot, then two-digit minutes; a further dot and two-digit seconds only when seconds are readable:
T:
2.26
